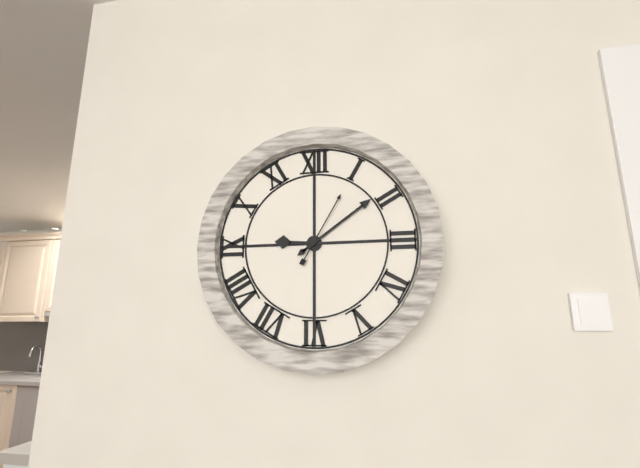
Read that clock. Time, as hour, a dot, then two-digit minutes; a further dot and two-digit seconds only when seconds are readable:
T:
9.09.05
